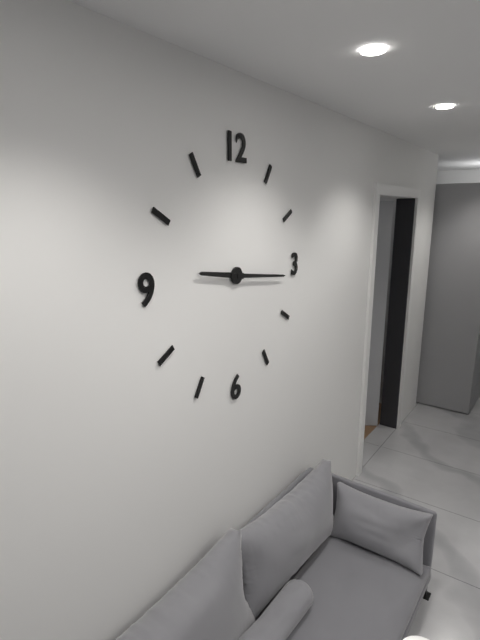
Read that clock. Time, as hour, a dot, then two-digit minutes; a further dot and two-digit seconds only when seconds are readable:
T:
9.16
